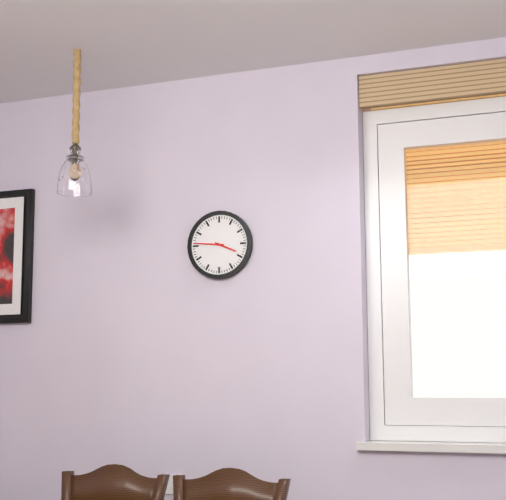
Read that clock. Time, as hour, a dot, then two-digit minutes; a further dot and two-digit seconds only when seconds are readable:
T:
3.46
